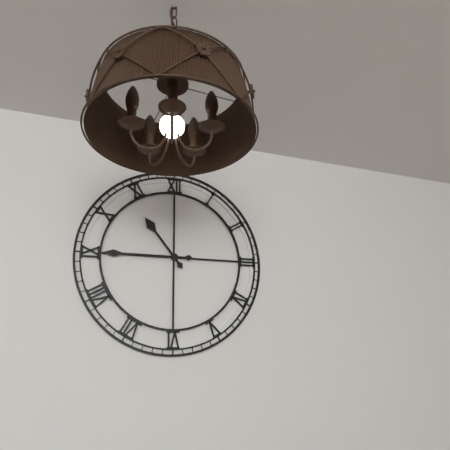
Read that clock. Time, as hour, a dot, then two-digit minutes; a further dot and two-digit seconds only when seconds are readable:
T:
10.45
